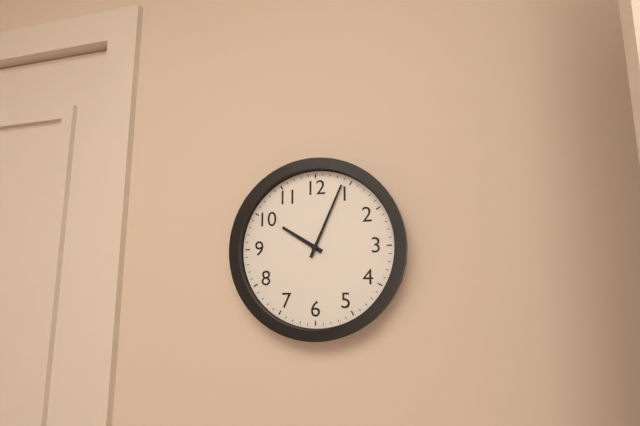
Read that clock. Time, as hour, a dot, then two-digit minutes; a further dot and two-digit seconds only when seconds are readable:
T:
10.04
